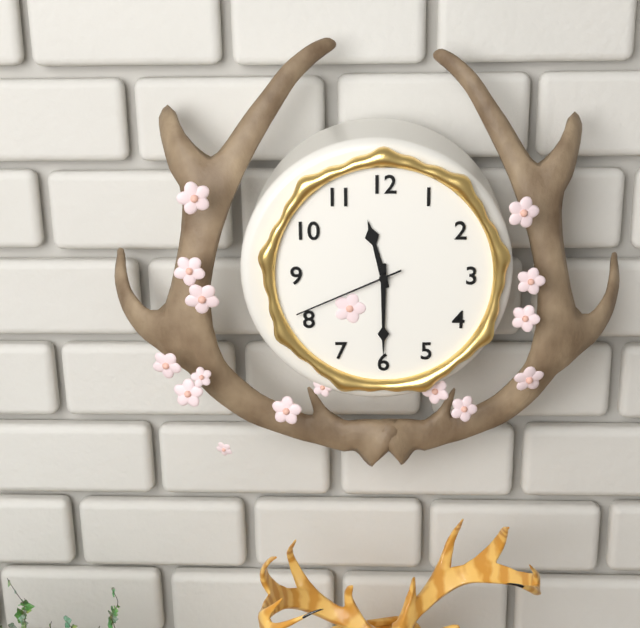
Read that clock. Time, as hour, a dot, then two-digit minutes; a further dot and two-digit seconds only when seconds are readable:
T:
11.30.41
